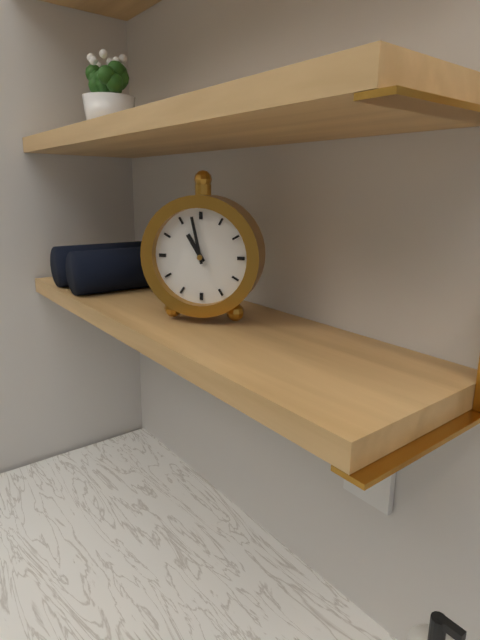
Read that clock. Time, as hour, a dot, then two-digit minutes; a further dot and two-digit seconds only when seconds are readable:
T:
10.58
